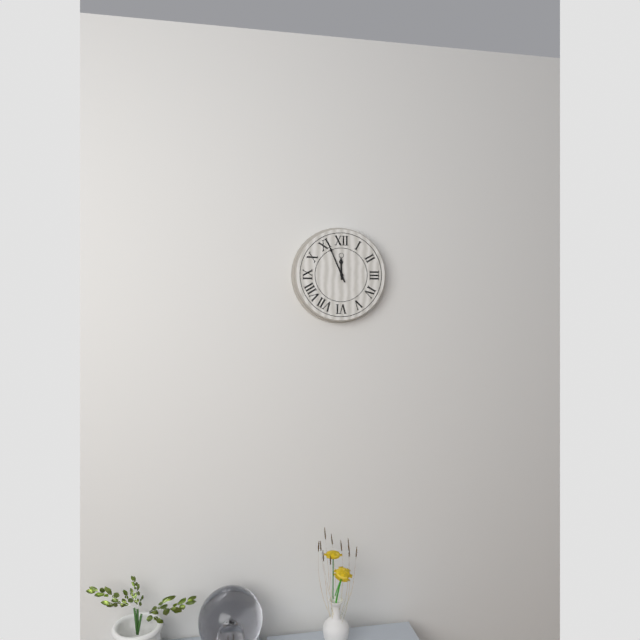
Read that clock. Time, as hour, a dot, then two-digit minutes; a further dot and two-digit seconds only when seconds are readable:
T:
11.56
